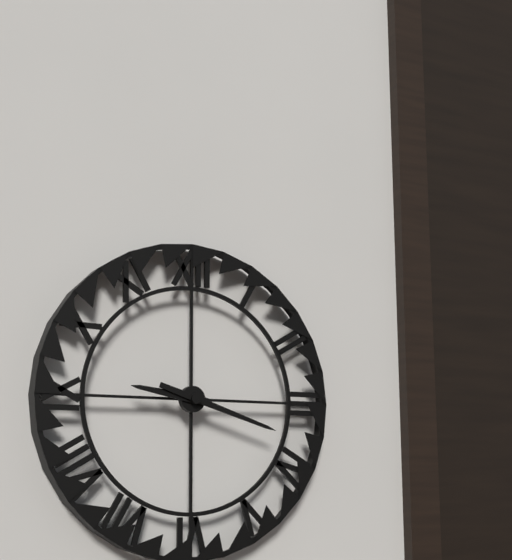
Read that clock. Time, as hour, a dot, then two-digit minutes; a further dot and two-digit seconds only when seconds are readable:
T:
9.18
